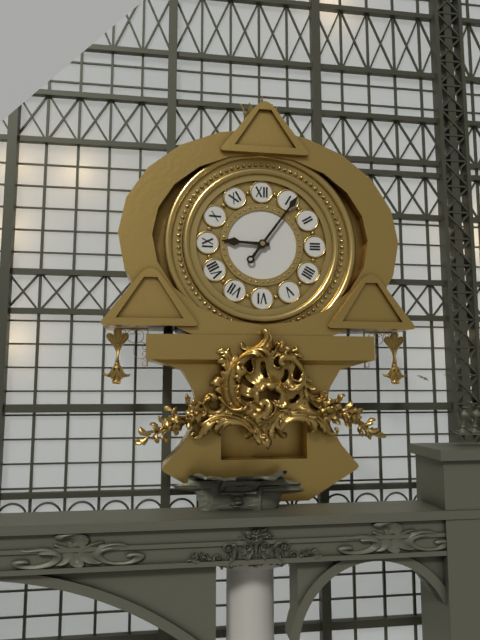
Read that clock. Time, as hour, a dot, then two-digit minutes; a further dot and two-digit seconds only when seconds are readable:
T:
9.06
